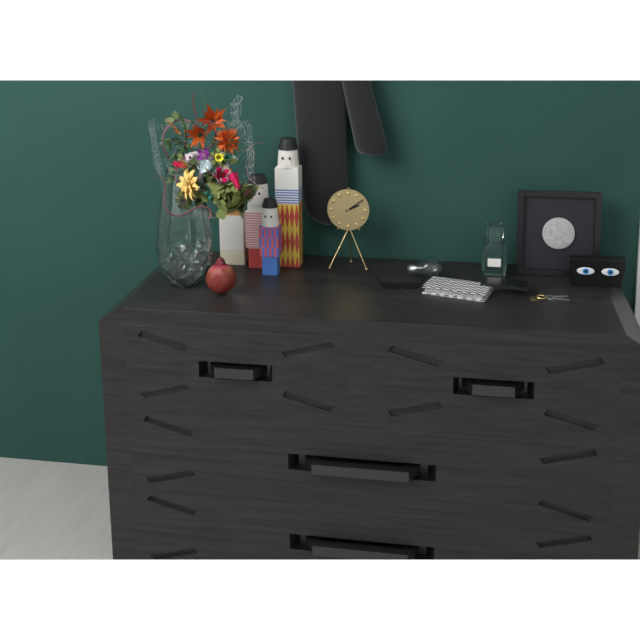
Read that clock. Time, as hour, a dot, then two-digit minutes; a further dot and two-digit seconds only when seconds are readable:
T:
2.09
